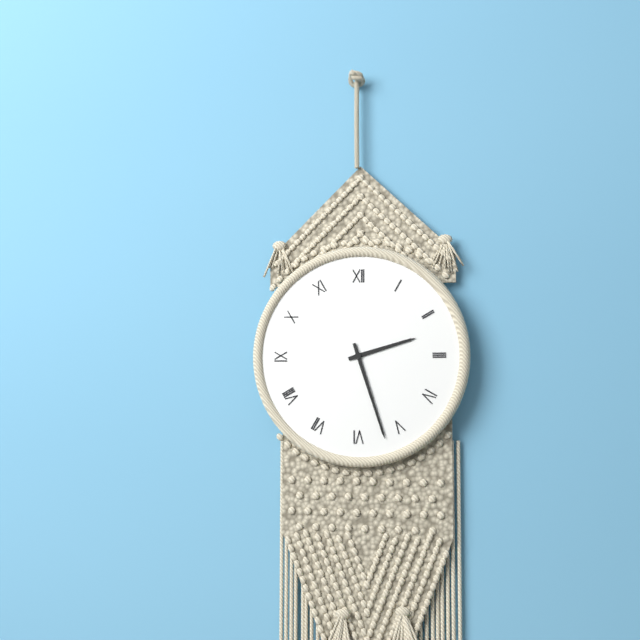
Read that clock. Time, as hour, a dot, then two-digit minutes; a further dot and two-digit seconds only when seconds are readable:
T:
2.27
